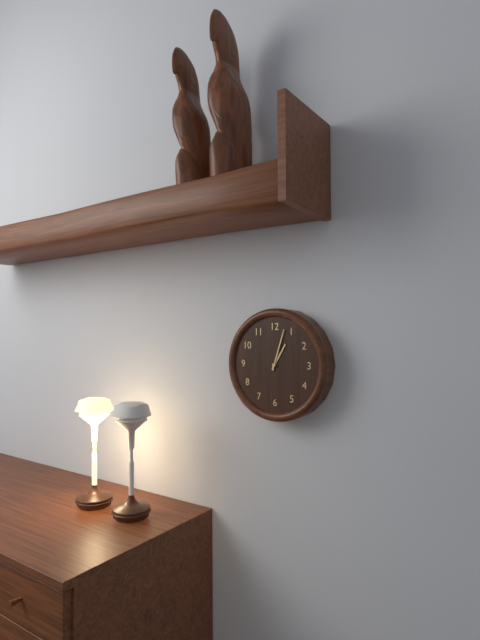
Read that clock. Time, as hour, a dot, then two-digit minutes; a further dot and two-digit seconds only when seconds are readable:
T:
1.03
